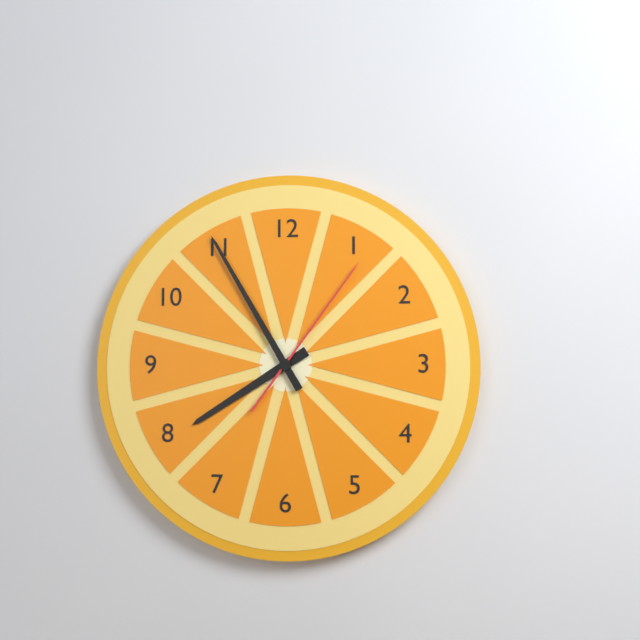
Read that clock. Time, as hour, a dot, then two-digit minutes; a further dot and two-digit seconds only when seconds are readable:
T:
7.55.06
